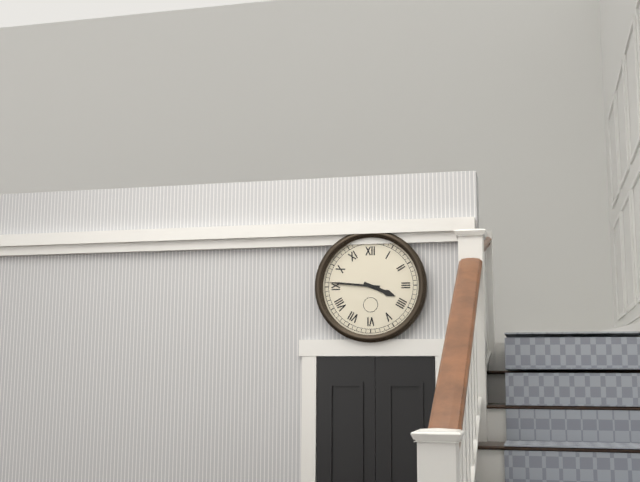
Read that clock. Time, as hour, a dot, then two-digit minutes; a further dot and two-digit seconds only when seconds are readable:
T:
3.46
